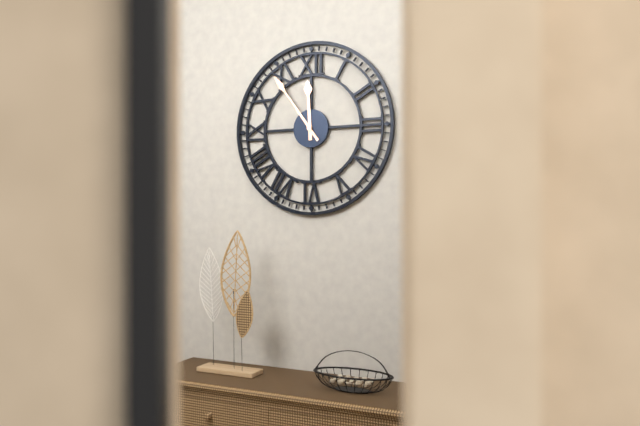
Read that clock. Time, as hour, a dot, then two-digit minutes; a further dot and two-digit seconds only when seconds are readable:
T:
11.54
